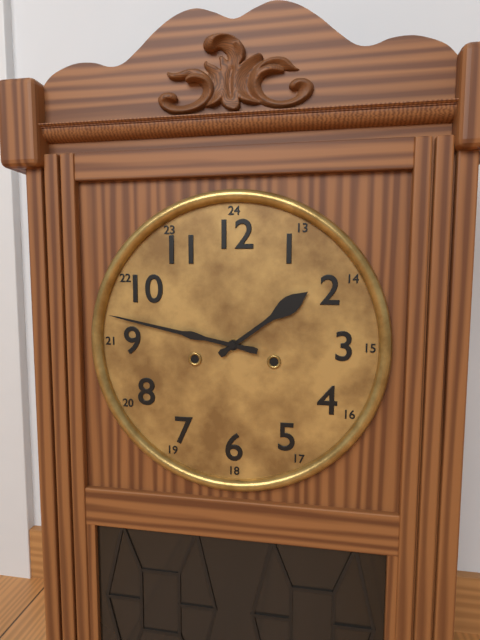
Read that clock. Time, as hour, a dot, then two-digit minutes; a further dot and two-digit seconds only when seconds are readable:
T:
1.47
